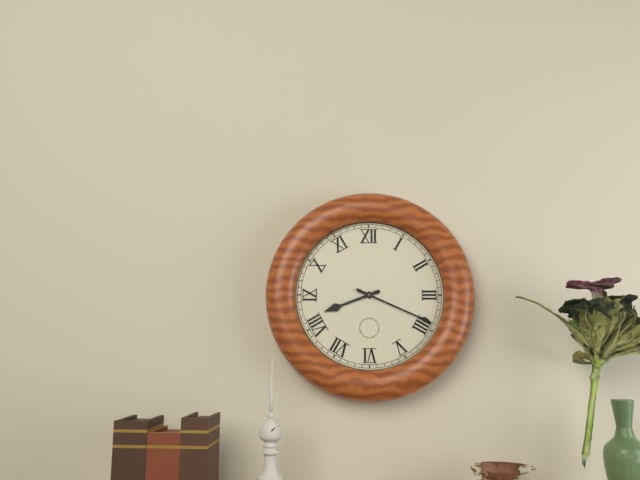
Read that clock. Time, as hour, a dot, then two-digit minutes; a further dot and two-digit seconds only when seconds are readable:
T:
8.19
